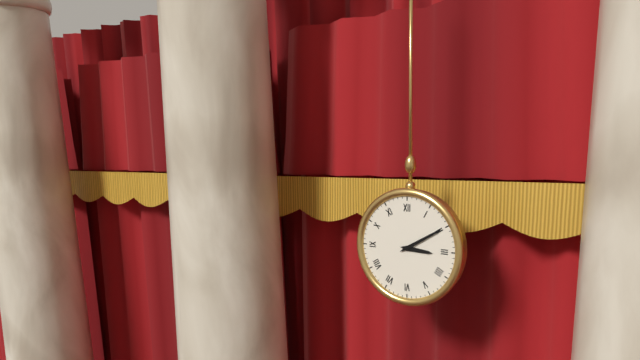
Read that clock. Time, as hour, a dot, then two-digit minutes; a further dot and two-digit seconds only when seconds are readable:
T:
3.10
